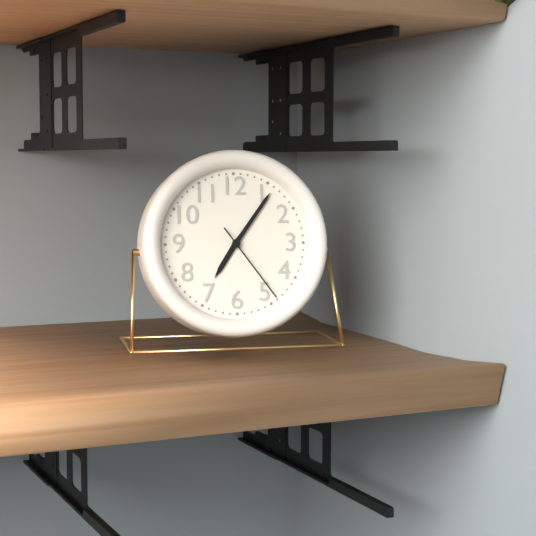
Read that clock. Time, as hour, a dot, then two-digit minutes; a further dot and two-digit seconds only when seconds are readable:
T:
7.06.24
